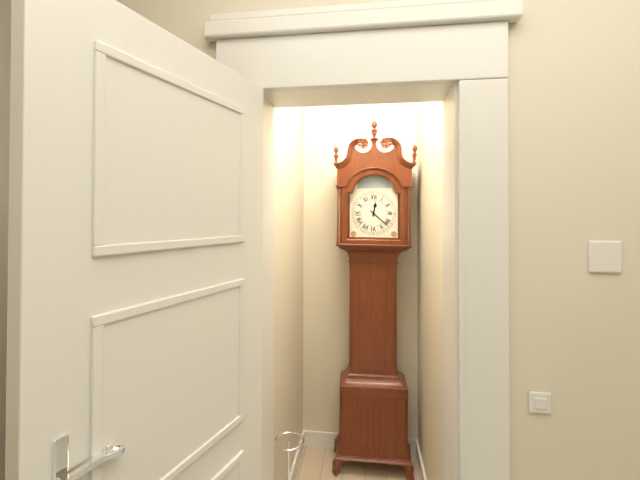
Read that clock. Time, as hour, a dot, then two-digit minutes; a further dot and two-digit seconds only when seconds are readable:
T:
12.22
